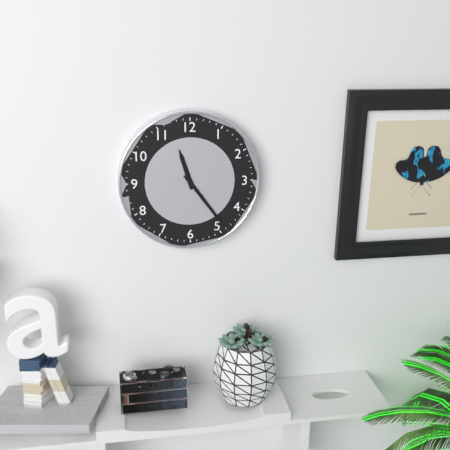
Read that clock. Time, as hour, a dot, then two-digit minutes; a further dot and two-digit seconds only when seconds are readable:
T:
11.24
